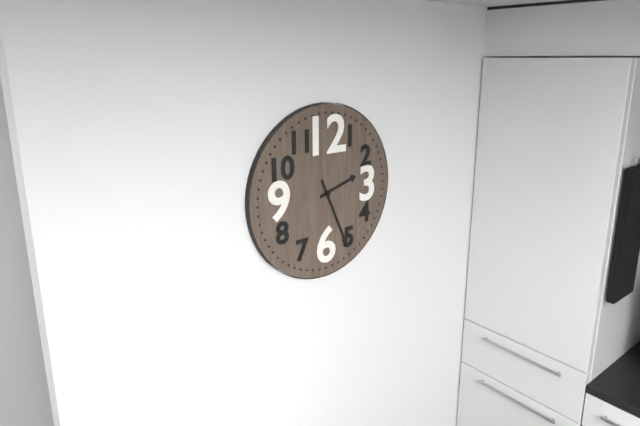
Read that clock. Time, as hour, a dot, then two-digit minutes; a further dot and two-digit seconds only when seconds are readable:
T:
2.26
